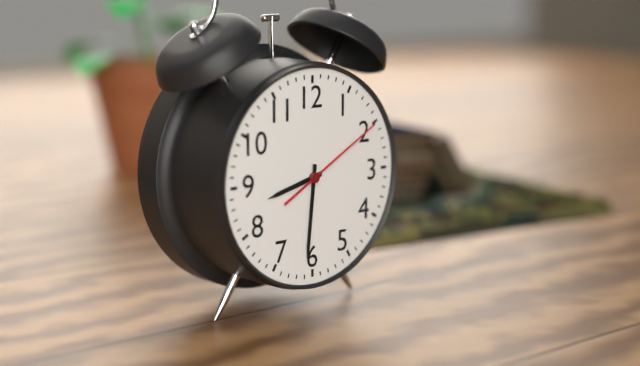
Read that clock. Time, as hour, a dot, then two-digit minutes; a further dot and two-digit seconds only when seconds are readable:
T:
8.31.10
